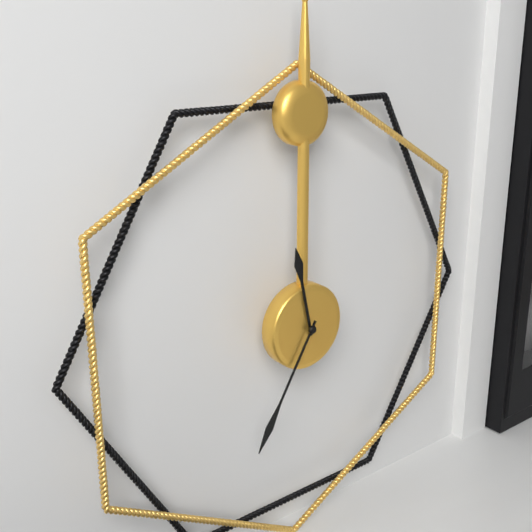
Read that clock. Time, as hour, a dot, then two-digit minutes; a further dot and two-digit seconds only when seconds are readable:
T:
11.35
